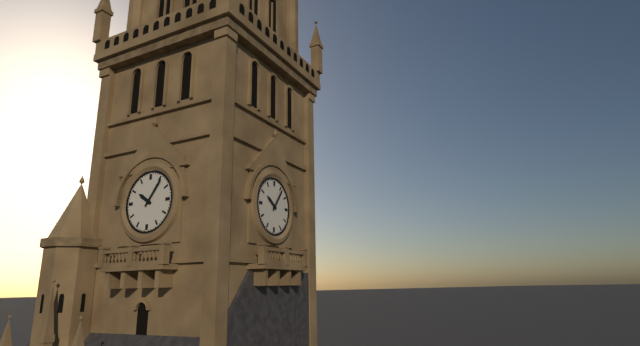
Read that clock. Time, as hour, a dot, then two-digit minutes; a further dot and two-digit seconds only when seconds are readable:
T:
10.06
